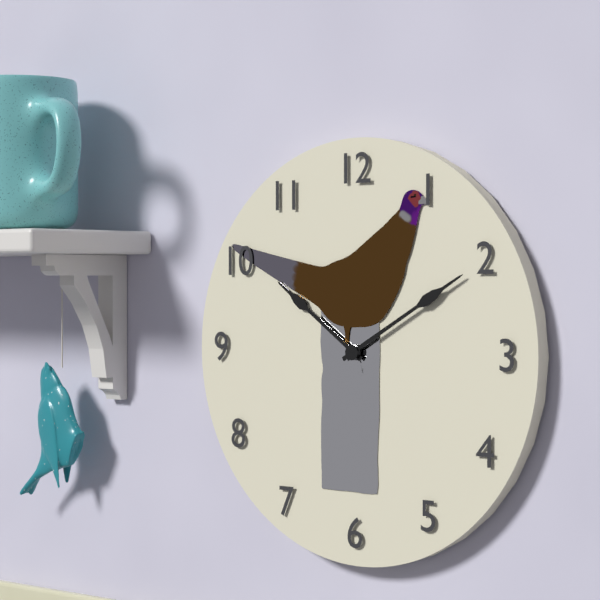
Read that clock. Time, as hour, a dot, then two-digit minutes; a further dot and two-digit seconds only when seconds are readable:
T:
10.10
